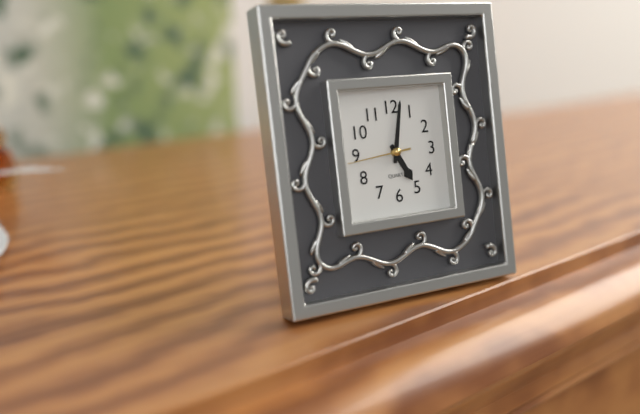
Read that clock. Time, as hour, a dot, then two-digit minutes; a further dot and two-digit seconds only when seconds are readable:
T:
5.02.44
